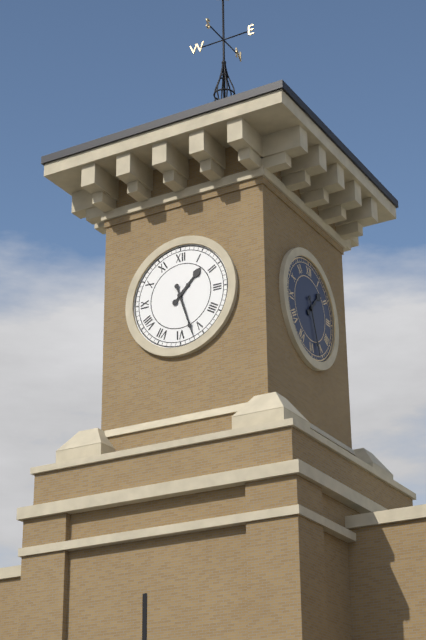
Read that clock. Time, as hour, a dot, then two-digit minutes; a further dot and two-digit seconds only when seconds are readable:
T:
1.27
